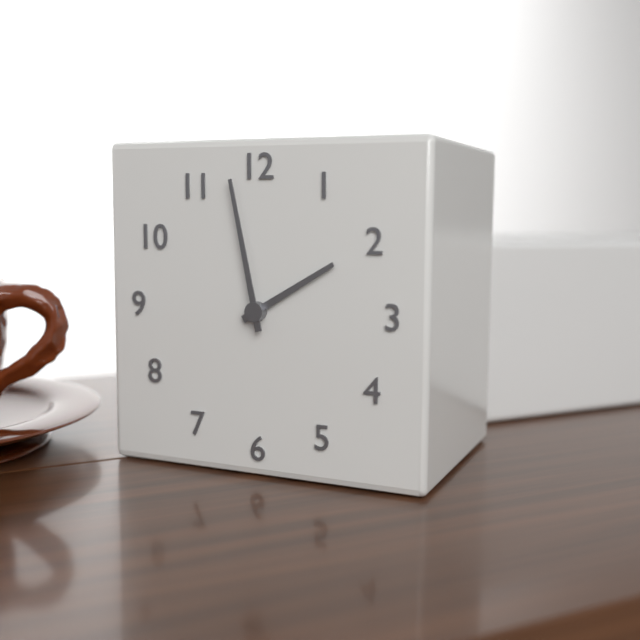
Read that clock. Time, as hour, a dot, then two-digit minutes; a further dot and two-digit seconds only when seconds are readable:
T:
1.58
